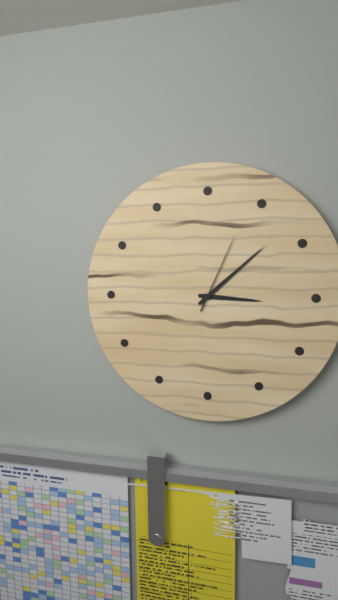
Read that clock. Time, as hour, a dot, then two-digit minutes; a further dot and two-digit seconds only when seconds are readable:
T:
3.08.04
